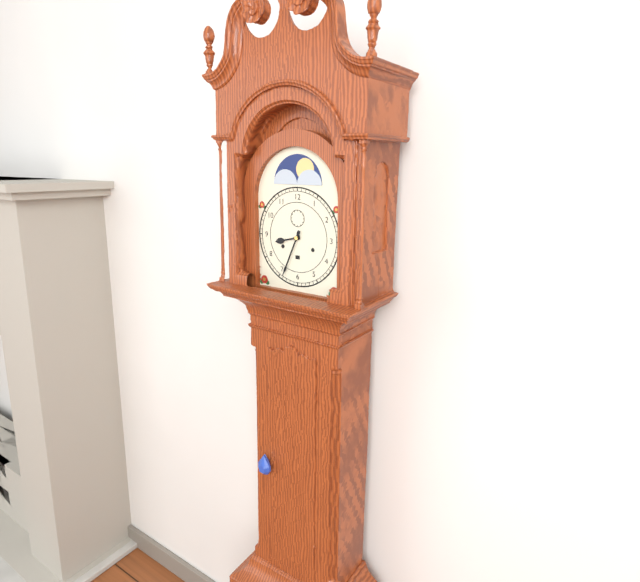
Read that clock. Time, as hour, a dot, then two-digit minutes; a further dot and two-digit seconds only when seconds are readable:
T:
8.34
